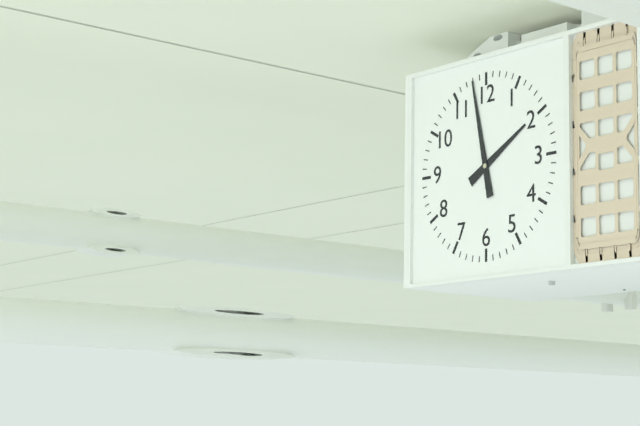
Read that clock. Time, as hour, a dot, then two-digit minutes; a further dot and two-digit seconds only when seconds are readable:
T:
1.58
